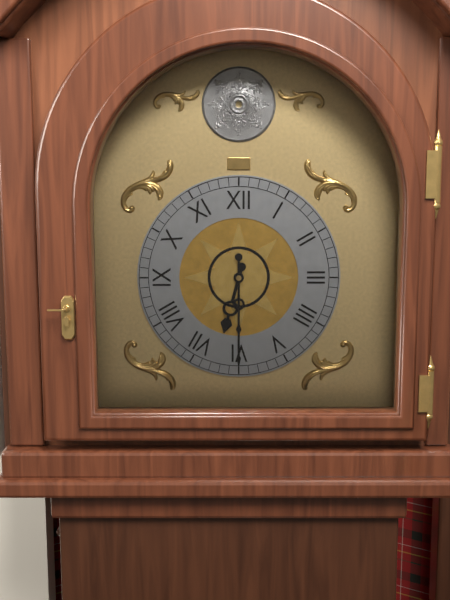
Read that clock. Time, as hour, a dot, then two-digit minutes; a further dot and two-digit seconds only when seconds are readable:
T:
6.30
